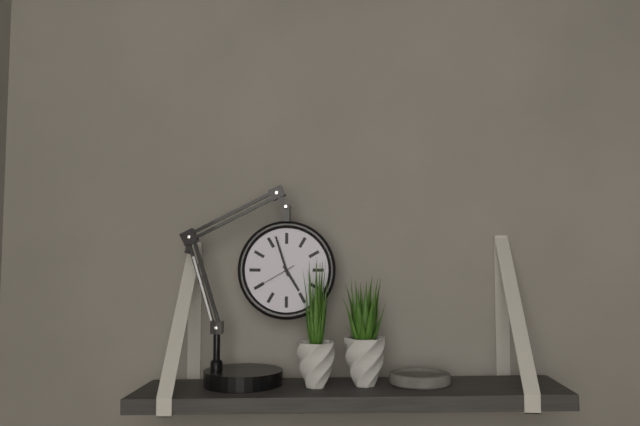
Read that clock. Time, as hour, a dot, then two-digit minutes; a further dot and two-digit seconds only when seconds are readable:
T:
4.57
